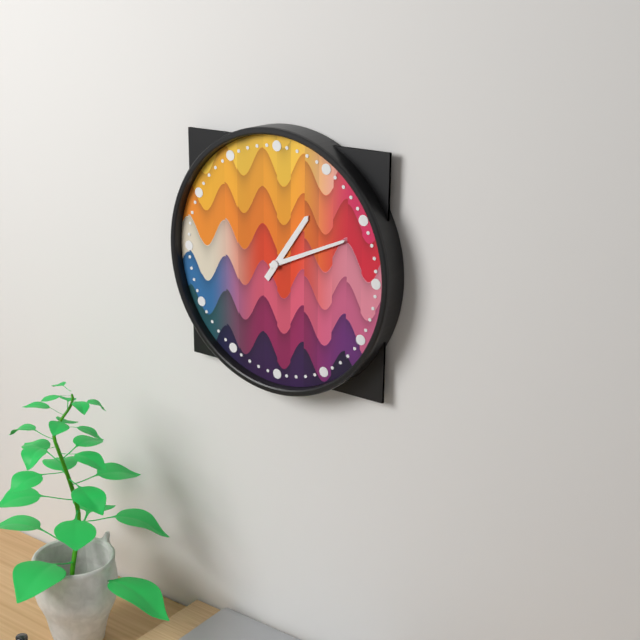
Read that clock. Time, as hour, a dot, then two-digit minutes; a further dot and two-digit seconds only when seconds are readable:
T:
1.11
